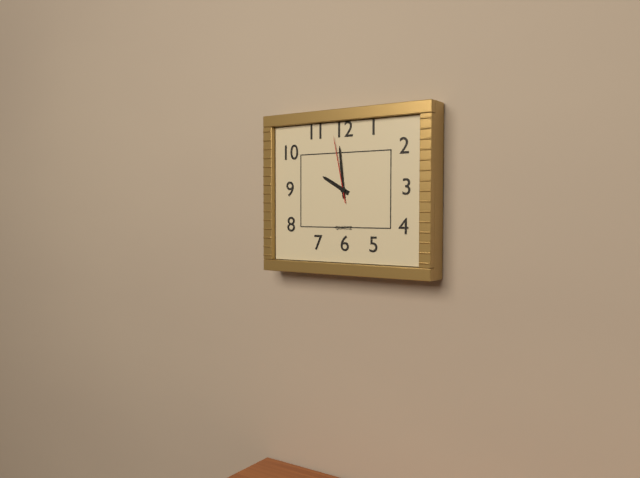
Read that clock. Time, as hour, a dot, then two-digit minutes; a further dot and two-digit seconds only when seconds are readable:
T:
9.59.58
